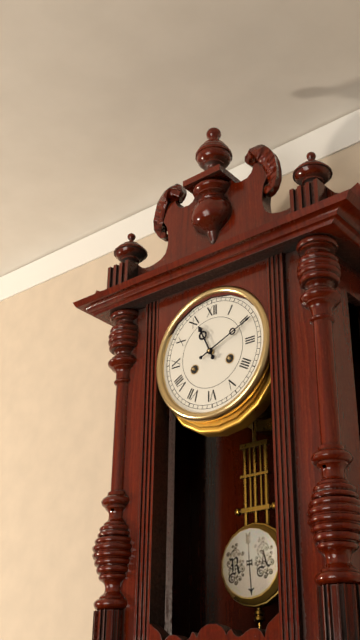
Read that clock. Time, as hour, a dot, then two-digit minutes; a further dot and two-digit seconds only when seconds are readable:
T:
11.11
